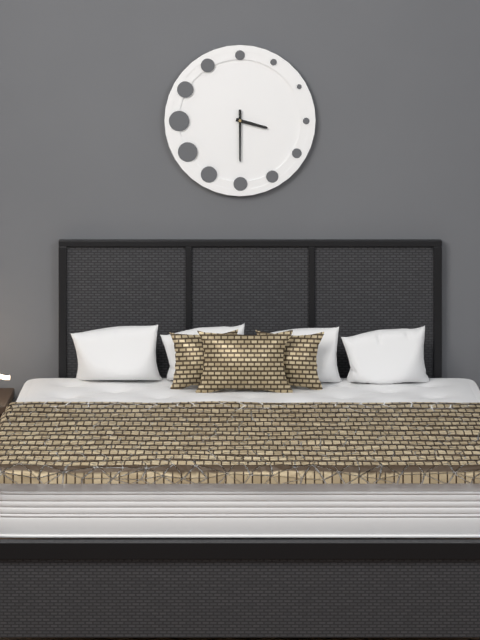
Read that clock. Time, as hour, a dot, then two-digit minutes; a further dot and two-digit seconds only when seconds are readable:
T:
3.30
